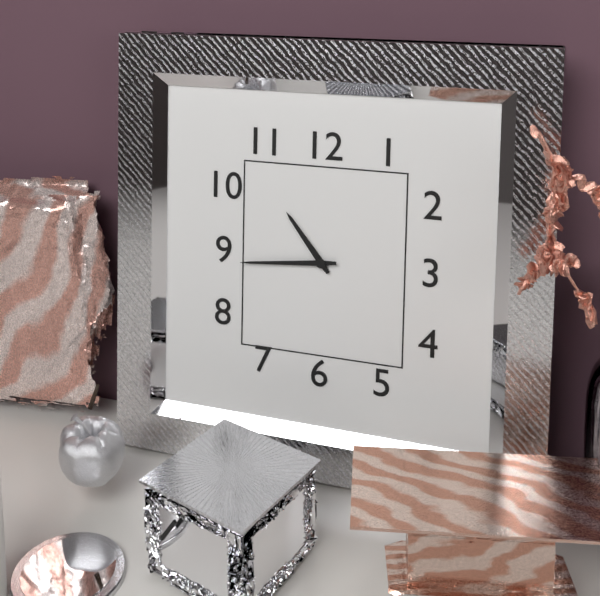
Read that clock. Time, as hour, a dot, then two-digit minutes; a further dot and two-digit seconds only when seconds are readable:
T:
10.44
